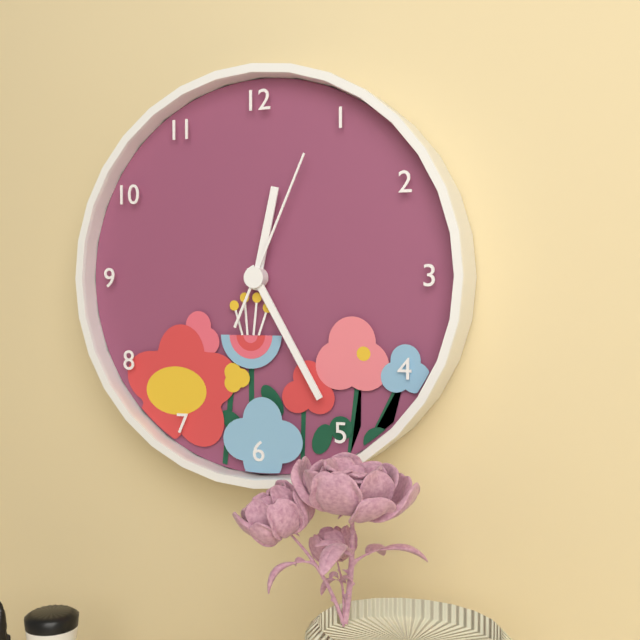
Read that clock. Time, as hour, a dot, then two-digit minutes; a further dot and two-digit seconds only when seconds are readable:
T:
12.25.04
